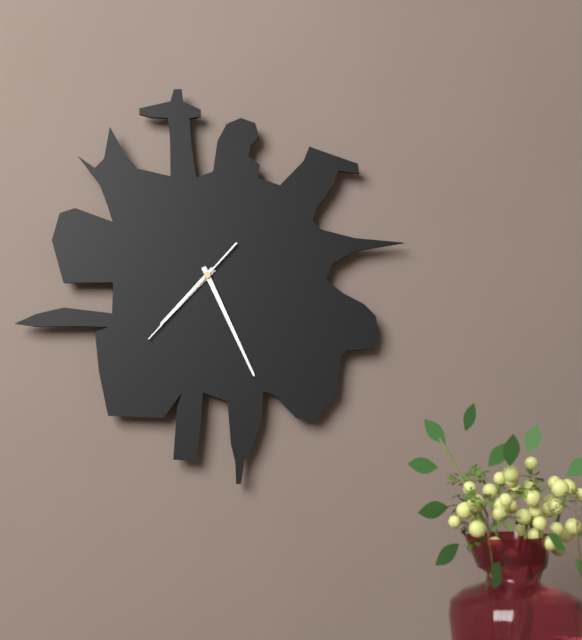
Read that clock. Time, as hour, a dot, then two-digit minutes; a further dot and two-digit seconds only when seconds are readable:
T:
7.26.37
